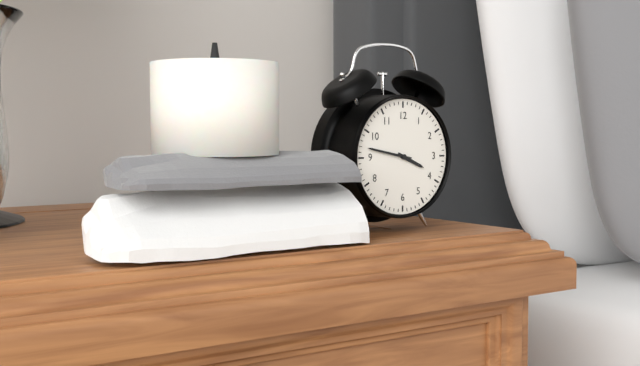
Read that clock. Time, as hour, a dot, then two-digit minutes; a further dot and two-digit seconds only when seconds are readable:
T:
3.47
